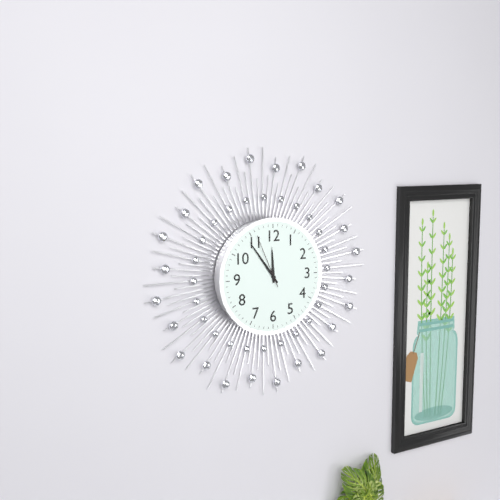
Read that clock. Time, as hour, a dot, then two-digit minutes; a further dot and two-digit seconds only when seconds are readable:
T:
11.54.56
